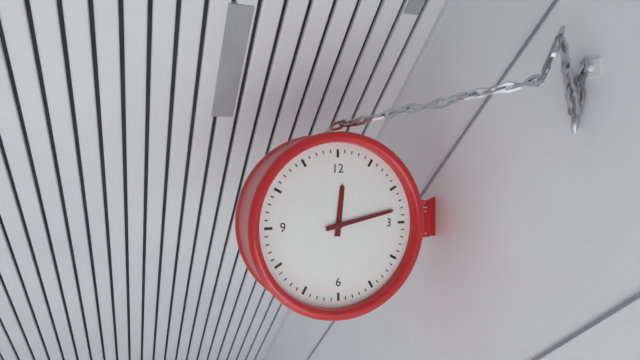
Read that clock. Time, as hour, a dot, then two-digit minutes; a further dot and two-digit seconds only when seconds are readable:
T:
12.13
